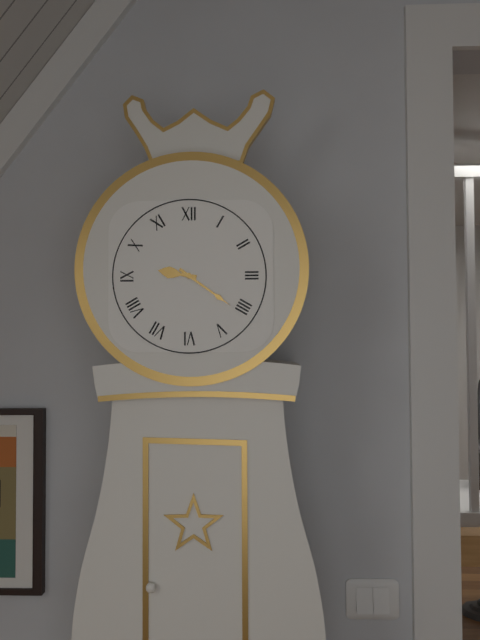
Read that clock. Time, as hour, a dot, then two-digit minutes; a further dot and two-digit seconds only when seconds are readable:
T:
9.21
